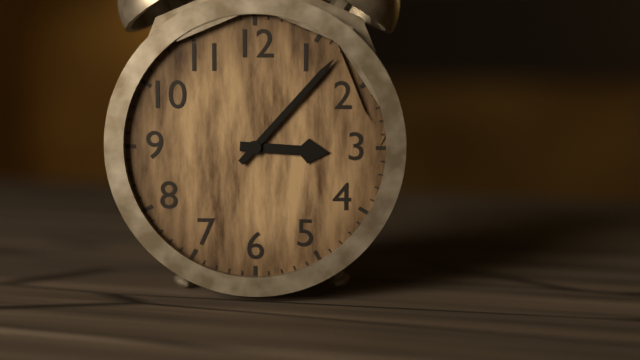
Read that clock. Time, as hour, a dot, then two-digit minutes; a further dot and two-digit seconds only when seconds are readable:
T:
3.07
